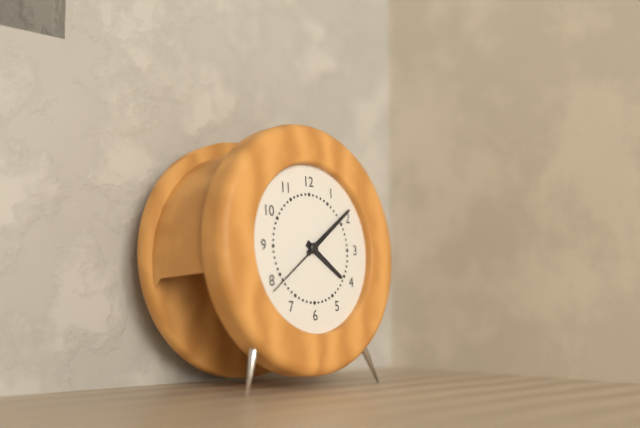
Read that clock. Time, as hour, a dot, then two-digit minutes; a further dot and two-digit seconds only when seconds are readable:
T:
4.09.39
